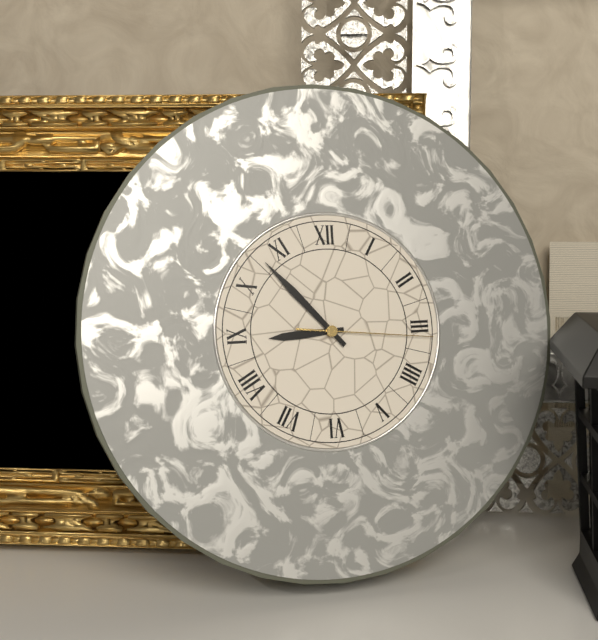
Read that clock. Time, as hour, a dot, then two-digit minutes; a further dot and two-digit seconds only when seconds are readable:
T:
8.53.16
